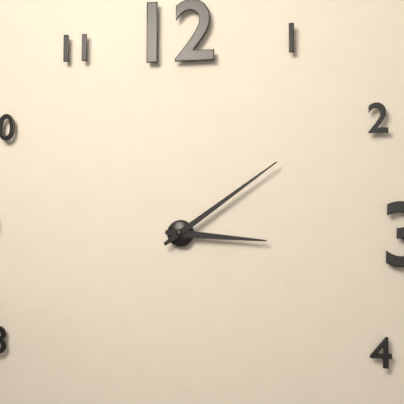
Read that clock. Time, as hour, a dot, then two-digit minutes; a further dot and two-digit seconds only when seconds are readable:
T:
3.09
